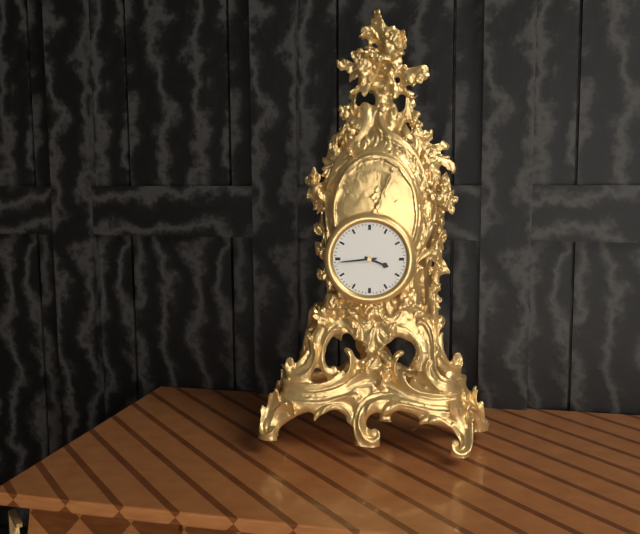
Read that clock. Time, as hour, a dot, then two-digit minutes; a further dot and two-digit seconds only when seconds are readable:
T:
3.44
